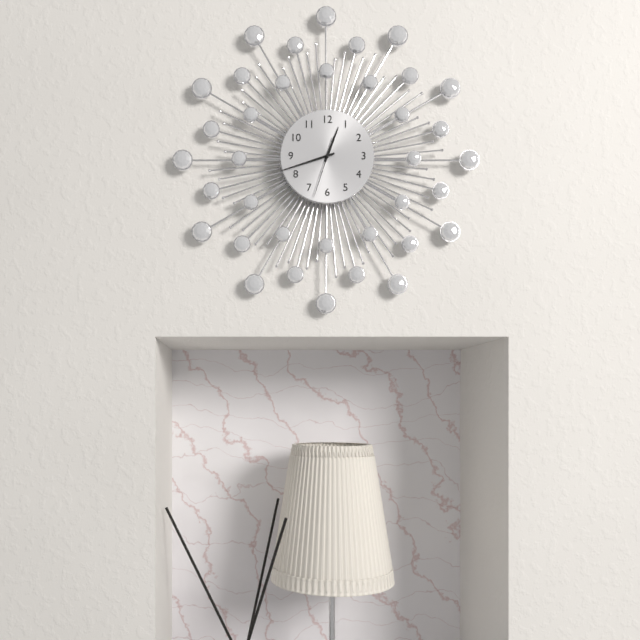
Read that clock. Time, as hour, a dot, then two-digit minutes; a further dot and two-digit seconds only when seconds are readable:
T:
12.42.33
